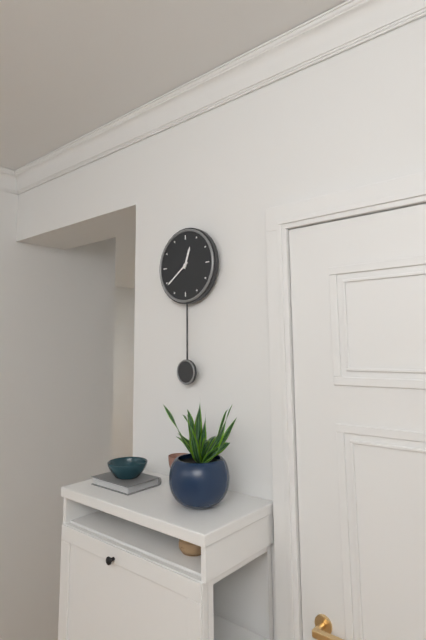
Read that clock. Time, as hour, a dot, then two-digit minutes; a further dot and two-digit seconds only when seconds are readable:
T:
12.39
